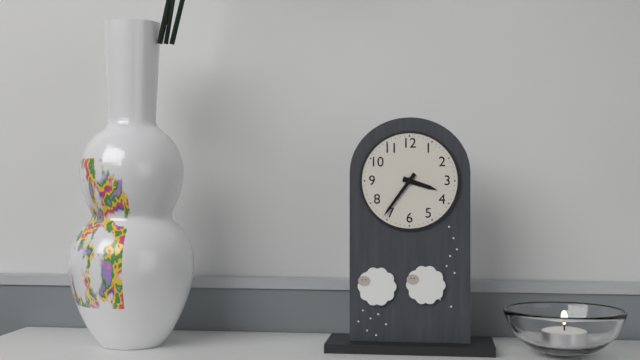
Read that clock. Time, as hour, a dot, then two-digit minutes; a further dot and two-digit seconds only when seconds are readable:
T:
3.36
